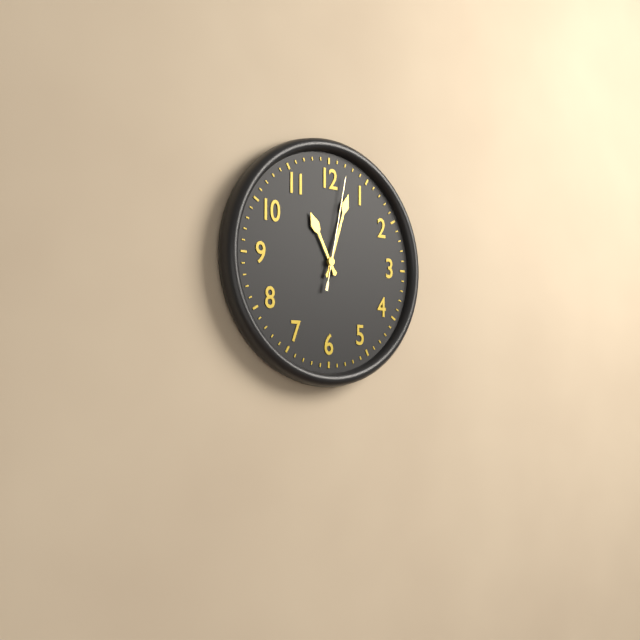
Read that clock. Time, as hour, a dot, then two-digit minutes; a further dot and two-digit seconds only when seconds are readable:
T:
11.03.02
